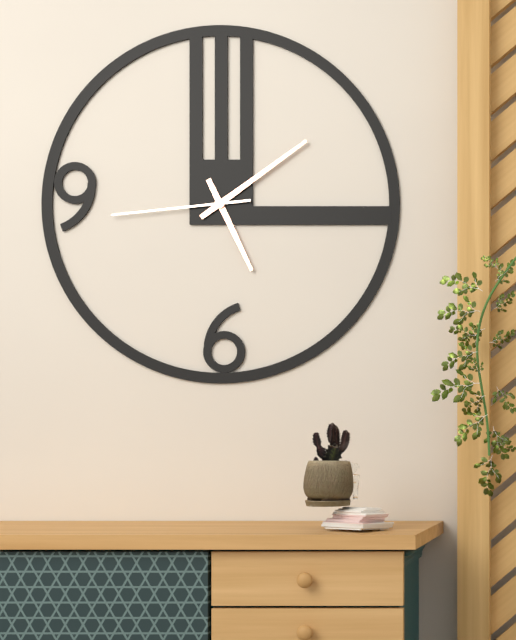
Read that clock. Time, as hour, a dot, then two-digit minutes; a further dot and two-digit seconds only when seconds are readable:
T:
5.09.44
